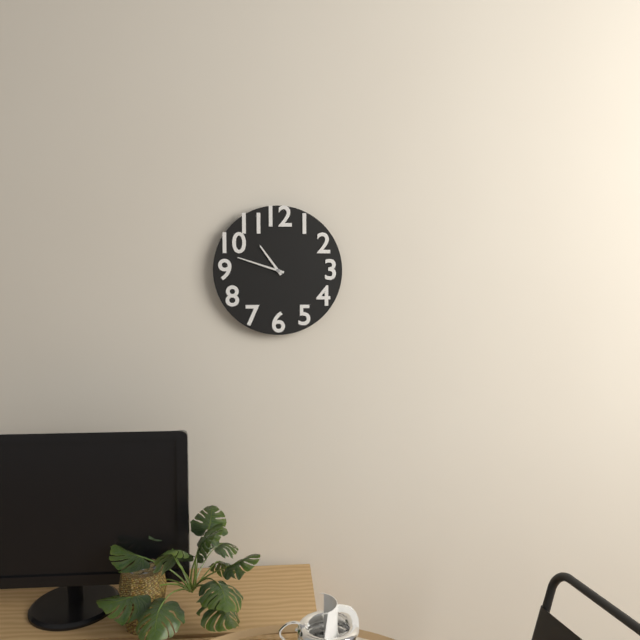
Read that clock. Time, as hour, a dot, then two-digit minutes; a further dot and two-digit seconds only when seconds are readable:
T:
10.48
